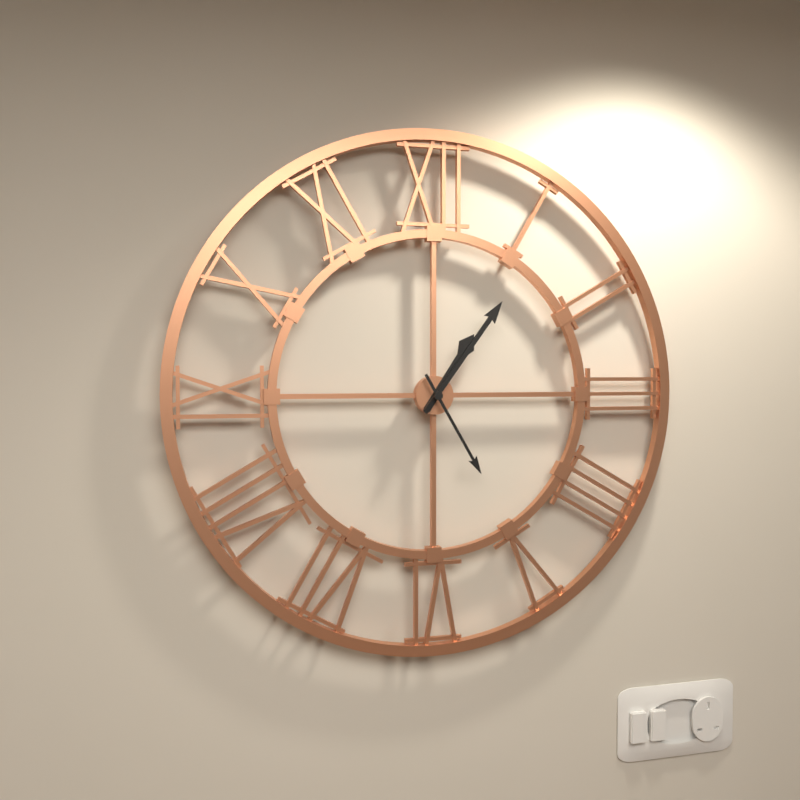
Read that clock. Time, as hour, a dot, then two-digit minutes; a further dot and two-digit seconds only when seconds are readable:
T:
1.06.25
